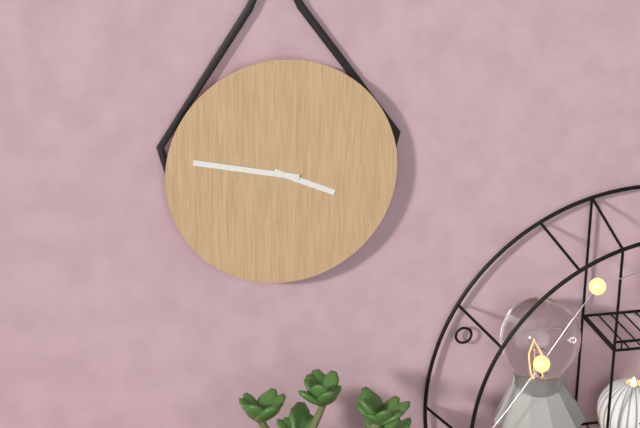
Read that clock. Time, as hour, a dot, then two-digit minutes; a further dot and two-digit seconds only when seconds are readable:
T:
3.47
